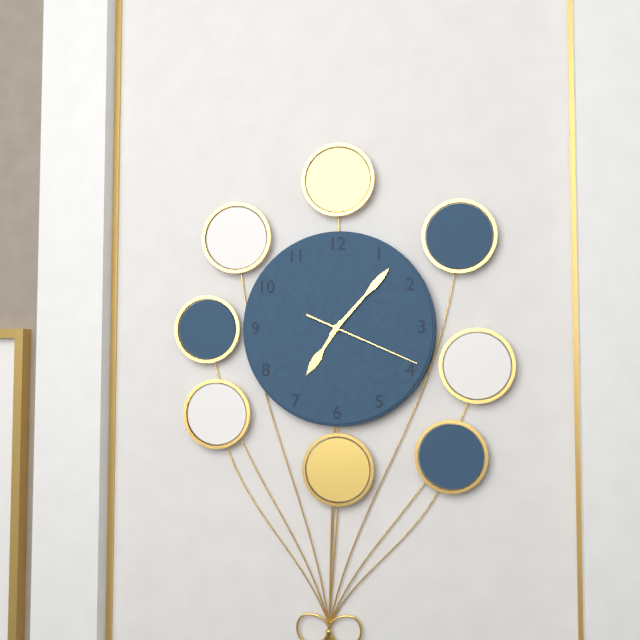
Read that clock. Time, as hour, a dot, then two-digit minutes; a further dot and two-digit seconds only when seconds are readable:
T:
7.07.19
